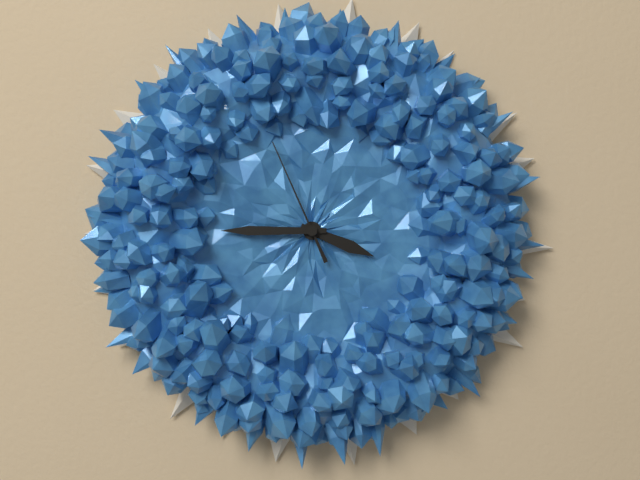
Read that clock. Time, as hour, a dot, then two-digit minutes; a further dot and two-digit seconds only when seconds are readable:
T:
3.45.56
